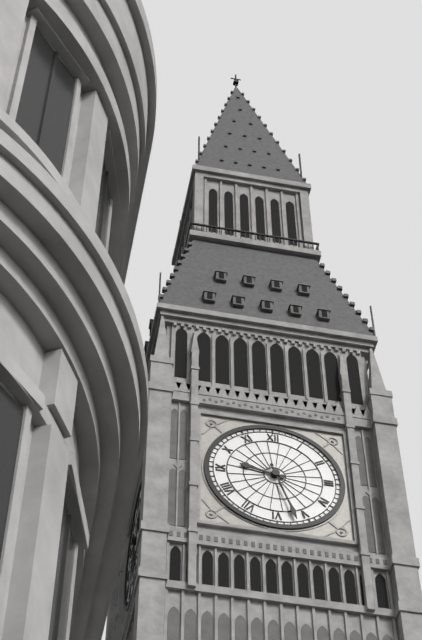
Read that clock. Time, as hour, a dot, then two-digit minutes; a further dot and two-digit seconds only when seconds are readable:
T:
9.27
